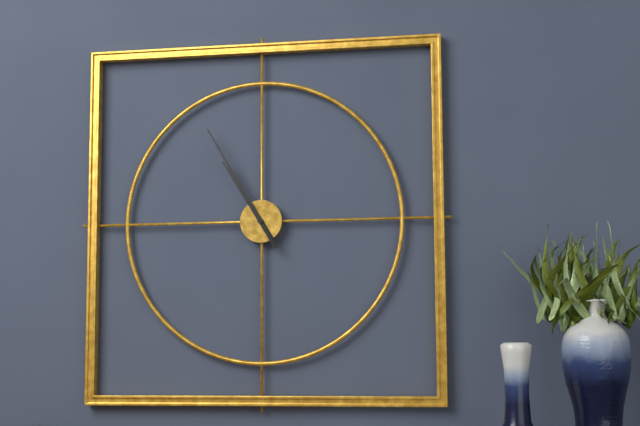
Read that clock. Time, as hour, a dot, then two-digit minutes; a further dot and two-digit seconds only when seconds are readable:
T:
10.55
